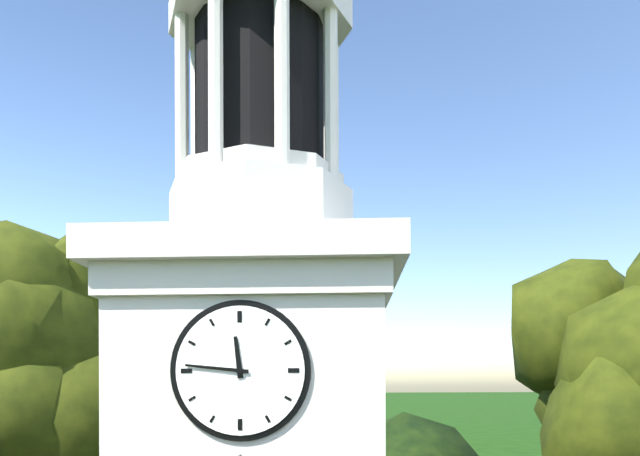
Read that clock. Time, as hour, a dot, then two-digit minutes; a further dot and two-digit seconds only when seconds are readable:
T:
11.46
